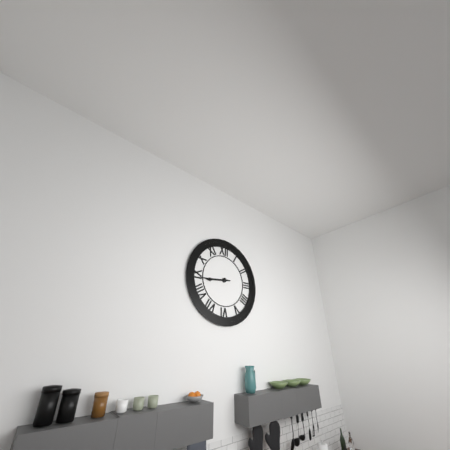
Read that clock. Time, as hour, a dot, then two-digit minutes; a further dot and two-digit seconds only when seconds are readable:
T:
8.44
